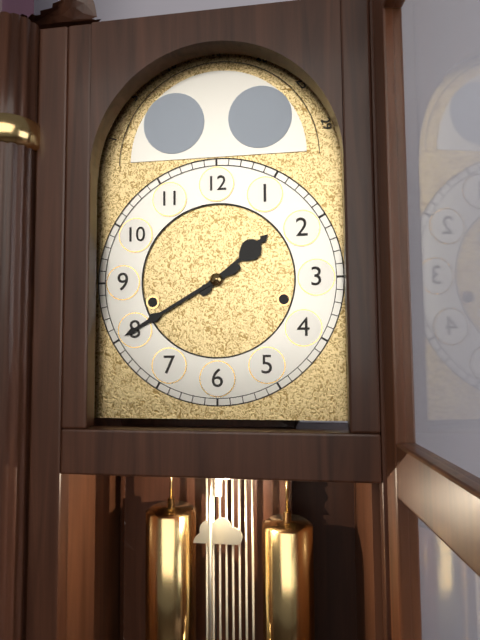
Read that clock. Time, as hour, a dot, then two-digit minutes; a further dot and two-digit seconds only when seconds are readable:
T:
1.40
